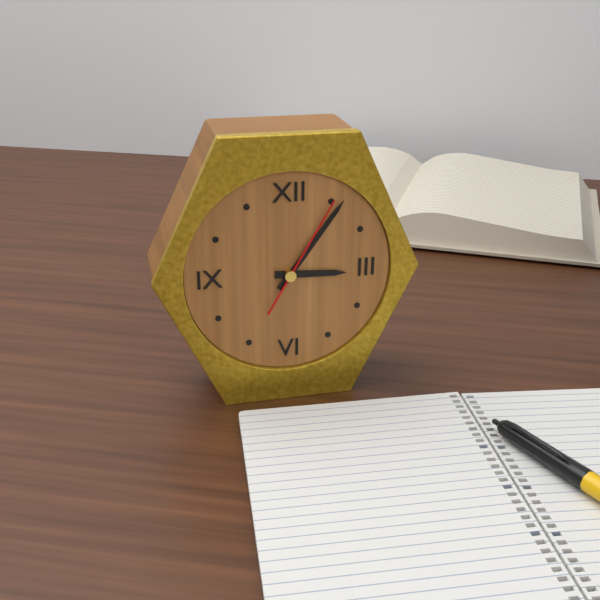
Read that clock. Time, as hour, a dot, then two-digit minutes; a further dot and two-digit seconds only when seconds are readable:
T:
3.06.05
